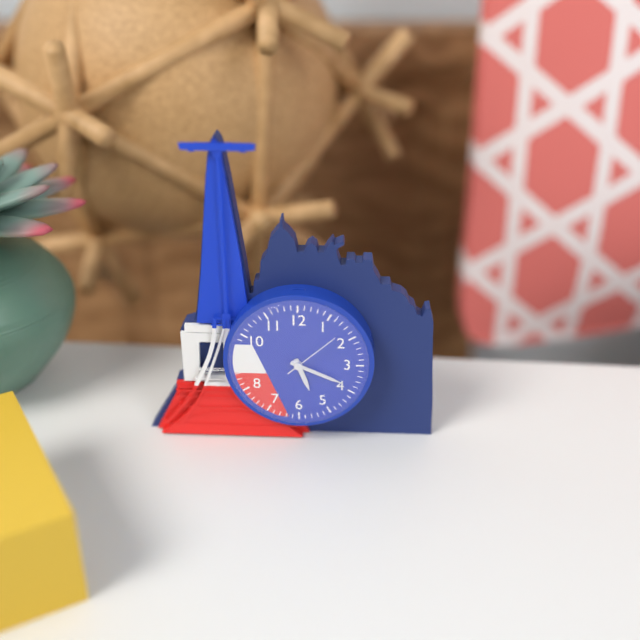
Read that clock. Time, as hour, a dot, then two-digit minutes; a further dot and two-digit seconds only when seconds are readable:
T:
5.19.08
